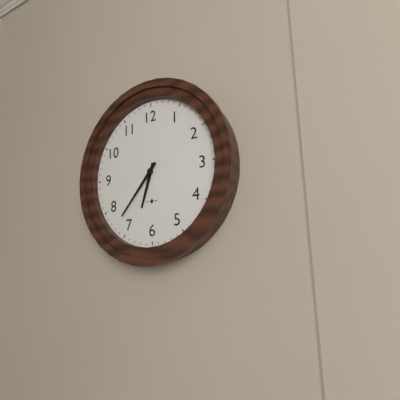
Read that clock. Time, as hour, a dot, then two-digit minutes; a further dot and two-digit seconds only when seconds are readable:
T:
6.37
